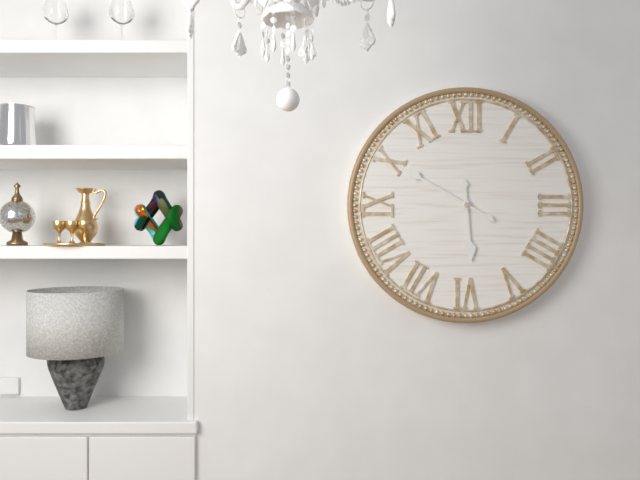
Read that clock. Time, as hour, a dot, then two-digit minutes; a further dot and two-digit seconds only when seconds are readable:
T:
5.50
